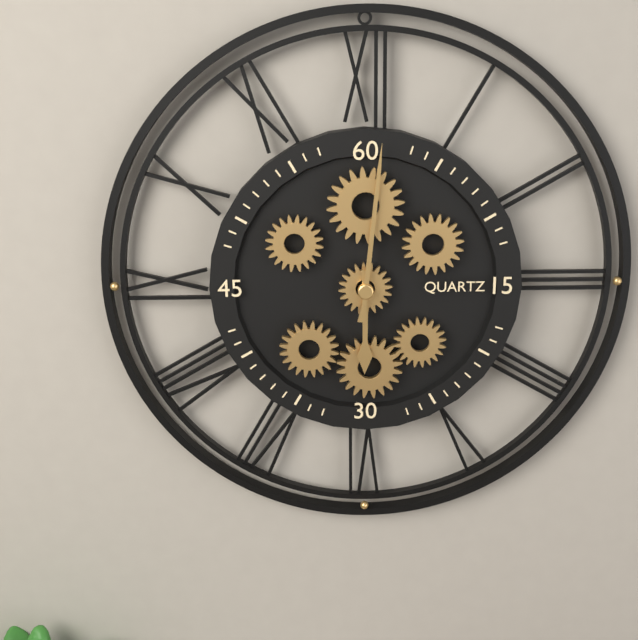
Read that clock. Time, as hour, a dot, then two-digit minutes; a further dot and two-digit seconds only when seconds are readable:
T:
6.01
